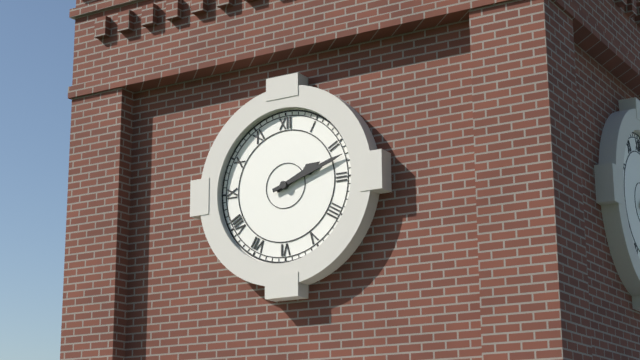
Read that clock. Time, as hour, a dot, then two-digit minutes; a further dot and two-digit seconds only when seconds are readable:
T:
2.12
